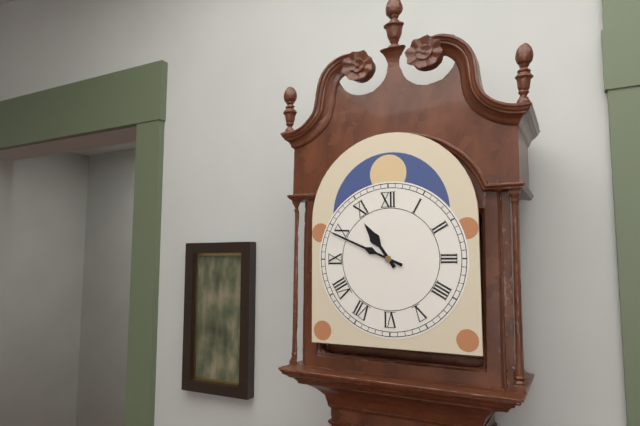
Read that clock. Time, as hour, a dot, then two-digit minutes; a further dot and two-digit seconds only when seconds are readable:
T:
10.49
